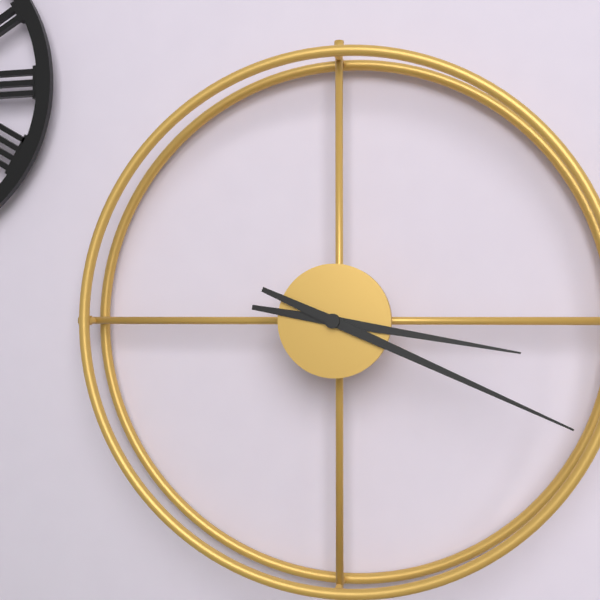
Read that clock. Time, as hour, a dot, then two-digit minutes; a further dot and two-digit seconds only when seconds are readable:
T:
3.19
